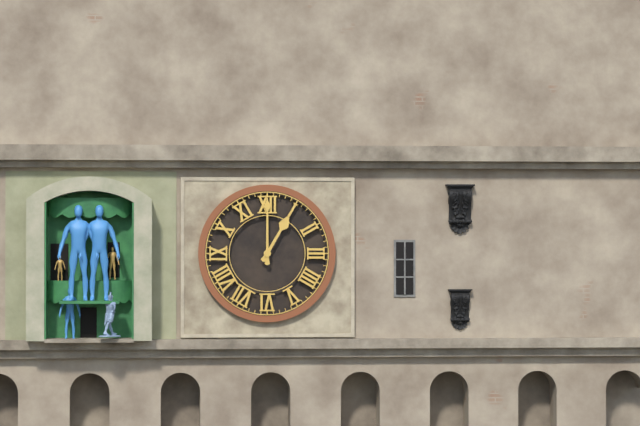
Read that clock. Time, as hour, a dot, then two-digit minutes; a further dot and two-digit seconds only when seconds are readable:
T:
1.00
